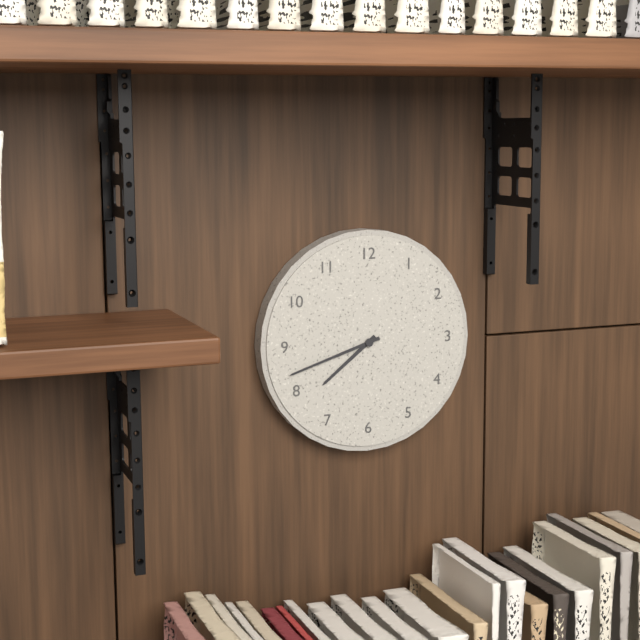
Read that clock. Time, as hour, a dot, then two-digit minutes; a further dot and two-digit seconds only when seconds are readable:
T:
7.42
